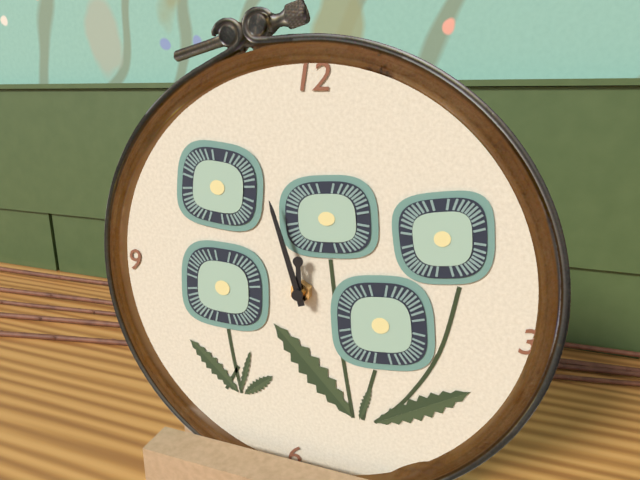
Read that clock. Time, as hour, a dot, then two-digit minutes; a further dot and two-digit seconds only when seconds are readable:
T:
11.57
